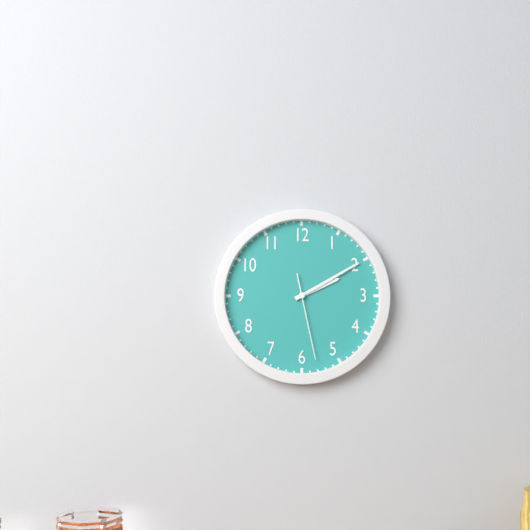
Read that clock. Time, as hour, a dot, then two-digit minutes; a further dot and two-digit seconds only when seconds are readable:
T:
2.10.28
